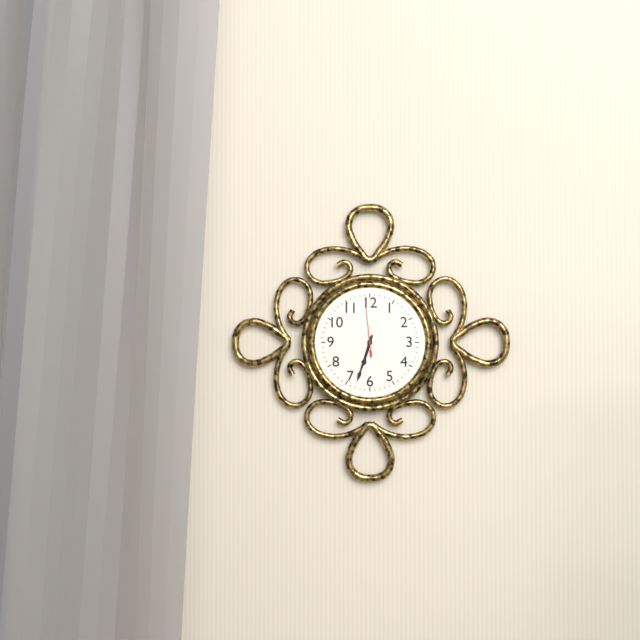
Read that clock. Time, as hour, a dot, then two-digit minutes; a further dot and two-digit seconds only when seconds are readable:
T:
6.33.59
